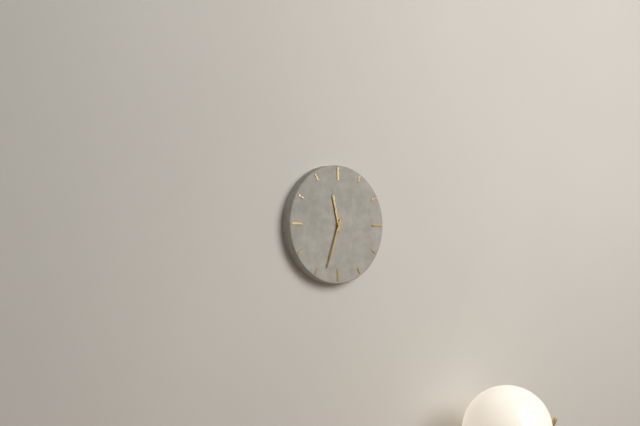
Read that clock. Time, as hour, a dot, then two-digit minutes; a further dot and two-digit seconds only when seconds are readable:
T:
11.33
